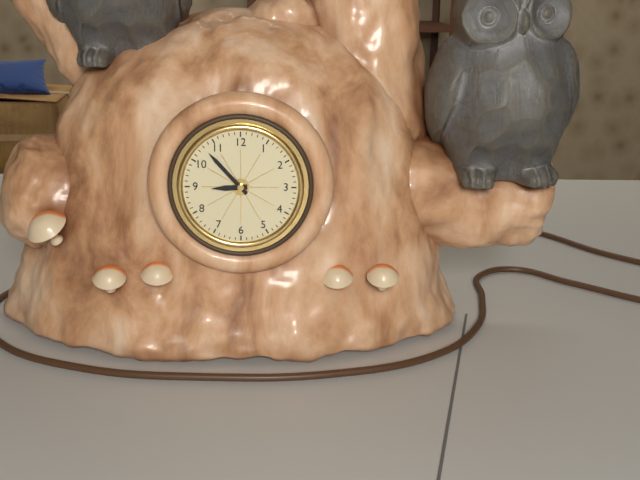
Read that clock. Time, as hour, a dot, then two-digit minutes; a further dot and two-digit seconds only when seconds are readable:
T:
8.53
